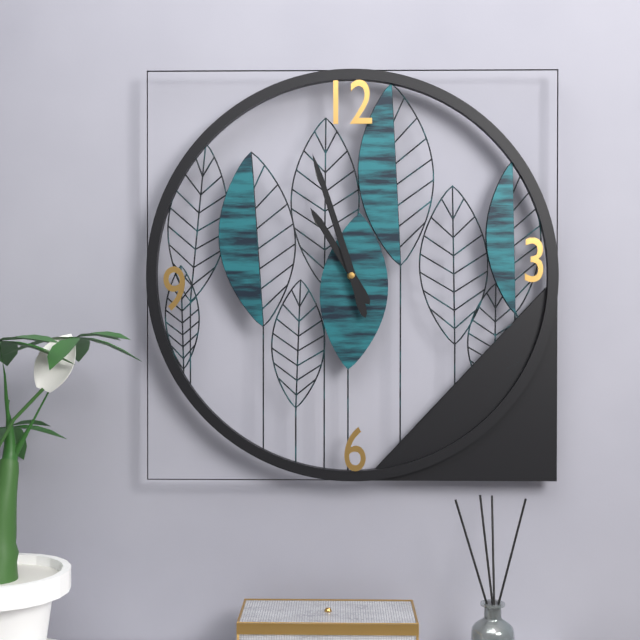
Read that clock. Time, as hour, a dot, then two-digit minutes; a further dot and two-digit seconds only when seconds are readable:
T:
10.57
